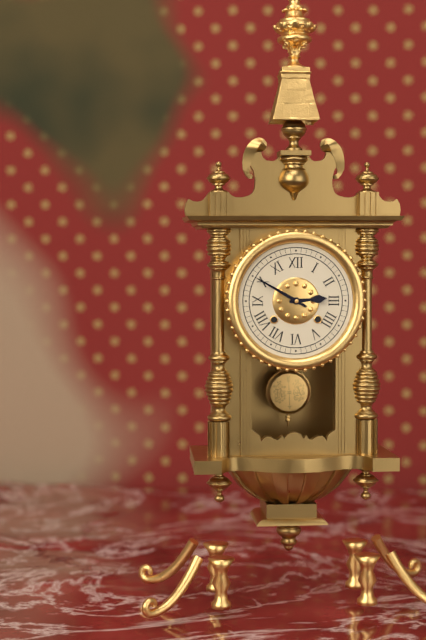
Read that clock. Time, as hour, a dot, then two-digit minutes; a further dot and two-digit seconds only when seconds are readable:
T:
2.50
